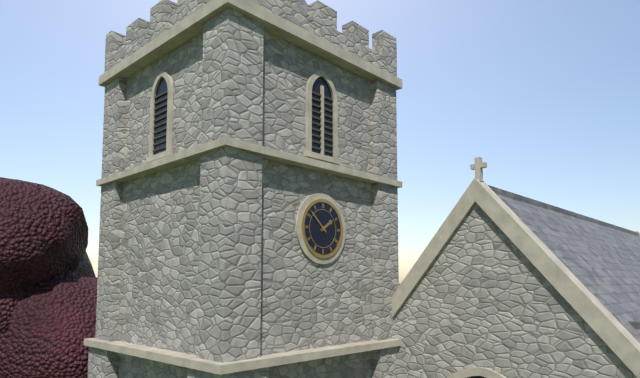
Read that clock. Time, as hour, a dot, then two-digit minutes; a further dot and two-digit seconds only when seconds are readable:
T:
1.52
